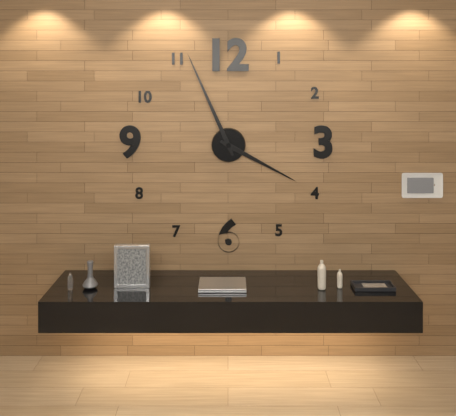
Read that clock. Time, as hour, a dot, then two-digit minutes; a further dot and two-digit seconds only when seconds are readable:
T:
3.56
